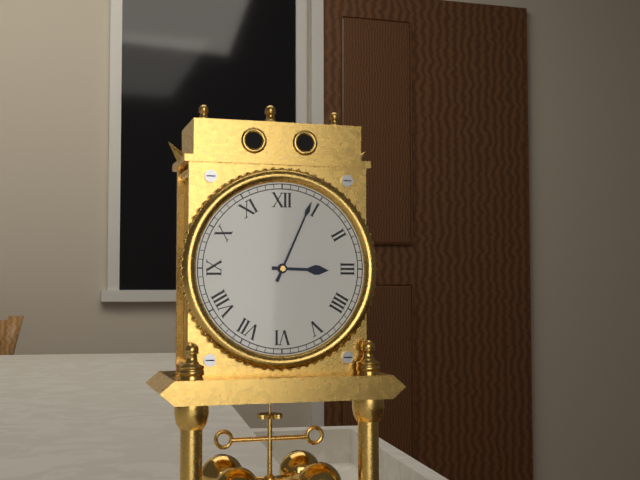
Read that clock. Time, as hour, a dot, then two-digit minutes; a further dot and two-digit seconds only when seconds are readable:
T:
3.04
